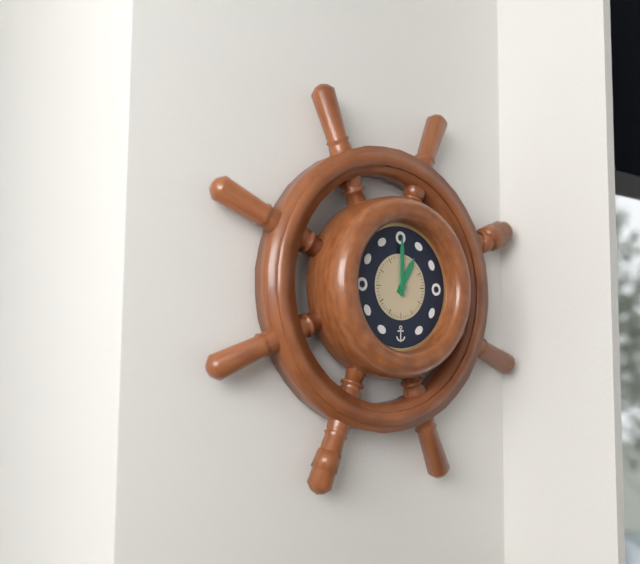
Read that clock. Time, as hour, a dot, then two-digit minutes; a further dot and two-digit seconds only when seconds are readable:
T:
1.00
